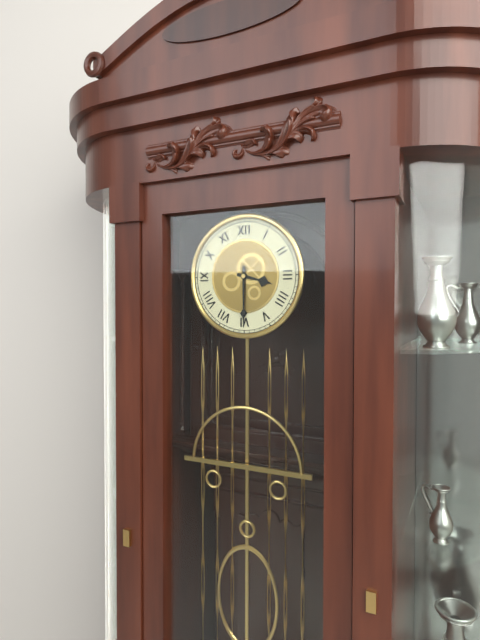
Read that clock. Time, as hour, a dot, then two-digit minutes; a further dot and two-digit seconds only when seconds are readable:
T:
3.30
